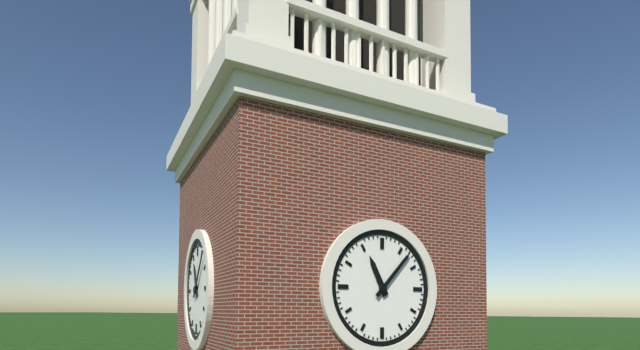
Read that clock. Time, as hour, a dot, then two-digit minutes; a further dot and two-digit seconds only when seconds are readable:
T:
11.07
